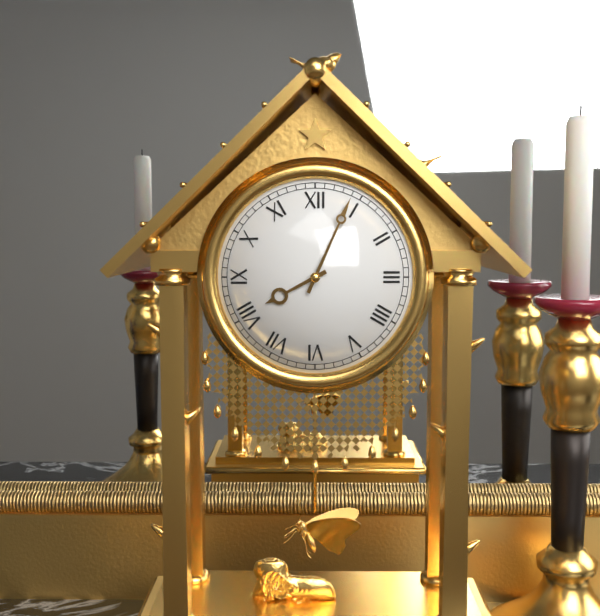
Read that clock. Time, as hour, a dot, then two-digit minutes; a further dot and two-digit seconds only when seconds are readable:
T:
8.04
